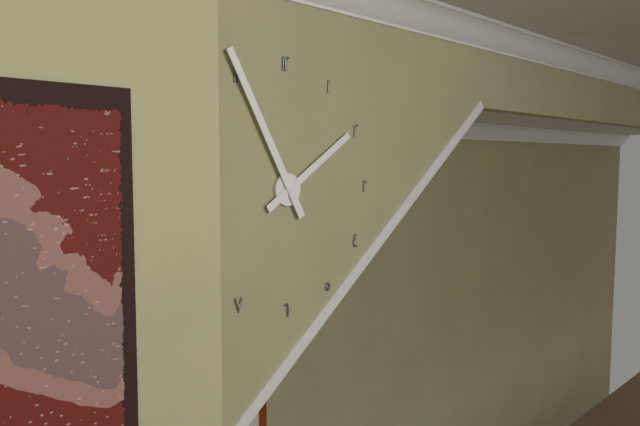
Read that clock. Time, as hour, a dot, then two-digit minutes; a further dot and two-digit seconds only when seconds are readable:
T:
1.55
